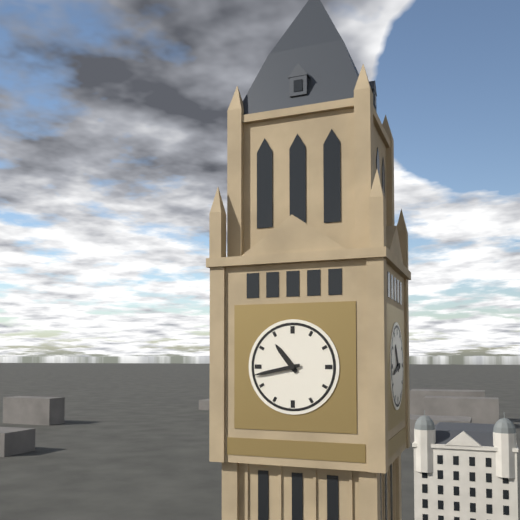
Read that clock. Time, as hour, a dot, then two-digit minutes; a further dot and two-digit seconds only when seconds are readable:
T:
10.43
